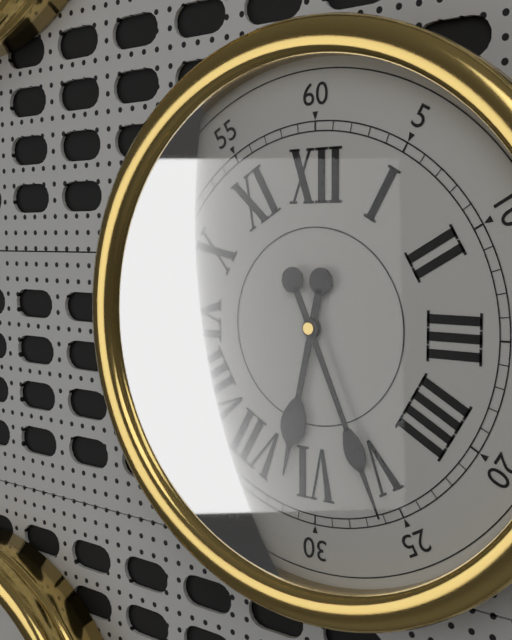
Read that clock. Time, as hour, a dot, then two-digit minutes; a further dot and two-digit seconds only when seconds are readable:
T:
6.26
